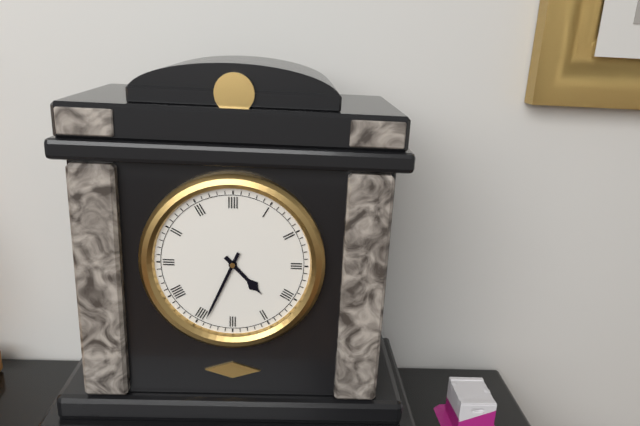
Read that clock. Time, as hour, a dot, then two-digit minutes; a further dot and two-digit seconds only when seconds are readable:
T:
4.34
